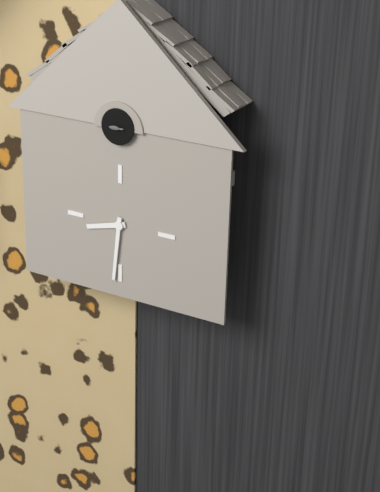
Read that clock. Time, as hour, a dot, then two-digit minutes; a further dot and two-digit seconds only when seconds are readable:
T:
8.31
